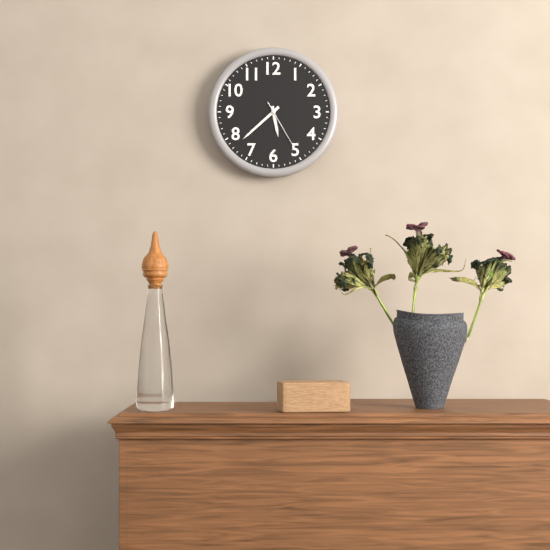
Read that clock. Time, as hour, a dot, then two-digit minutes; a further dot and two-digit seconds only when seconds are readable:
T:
5.38.25
